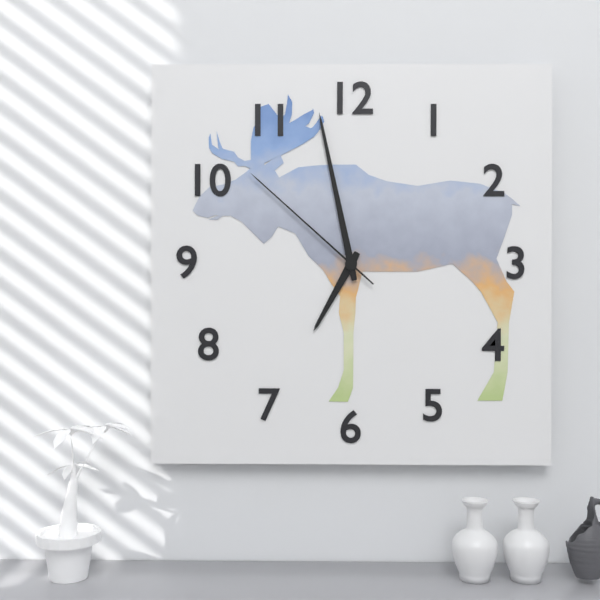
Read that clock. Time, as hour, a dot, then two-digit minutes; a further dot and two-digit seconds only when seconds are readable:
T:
6.58.52
